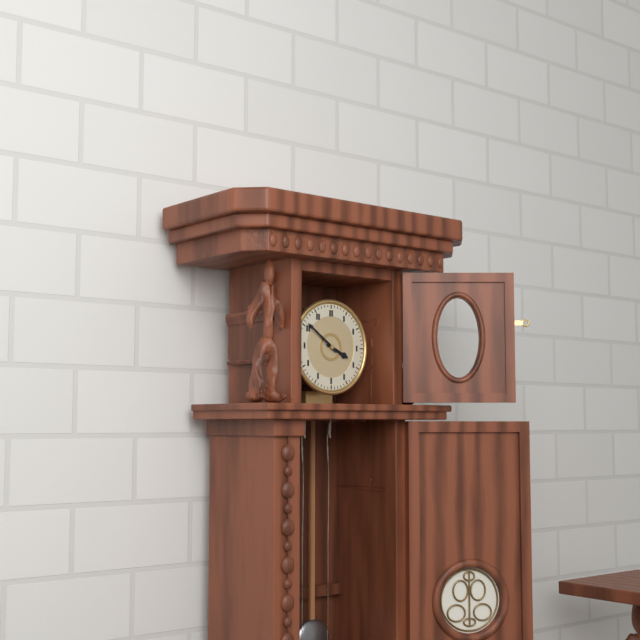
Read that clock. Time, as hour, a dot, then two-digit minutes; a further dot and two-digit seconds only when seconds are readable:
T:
3.51
